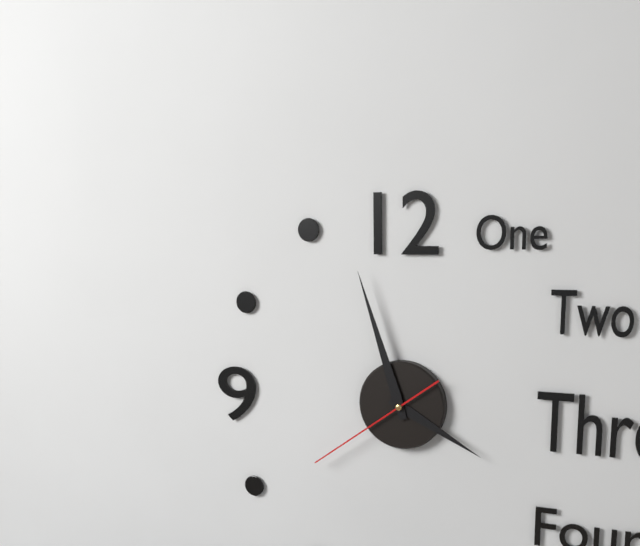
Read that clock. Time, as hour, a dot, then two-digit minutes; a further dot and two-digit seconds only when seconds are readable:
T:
3.57.39
